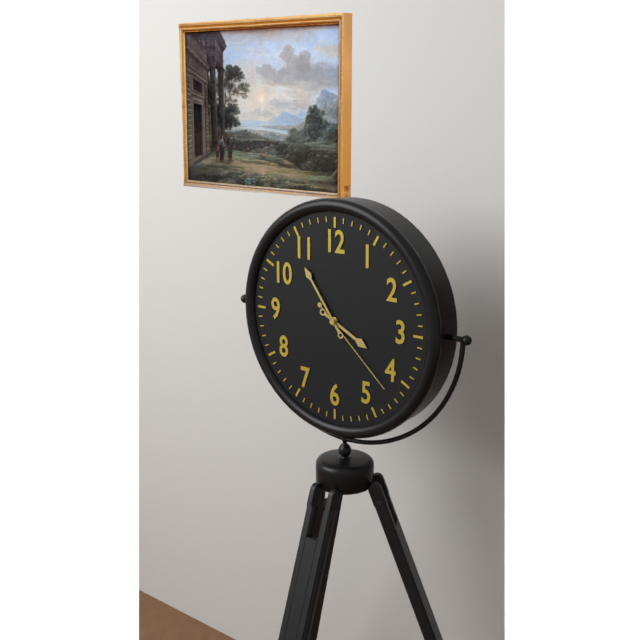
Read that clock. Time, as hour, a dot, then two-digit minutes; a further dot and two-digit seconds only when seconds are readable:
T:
3.54.22
